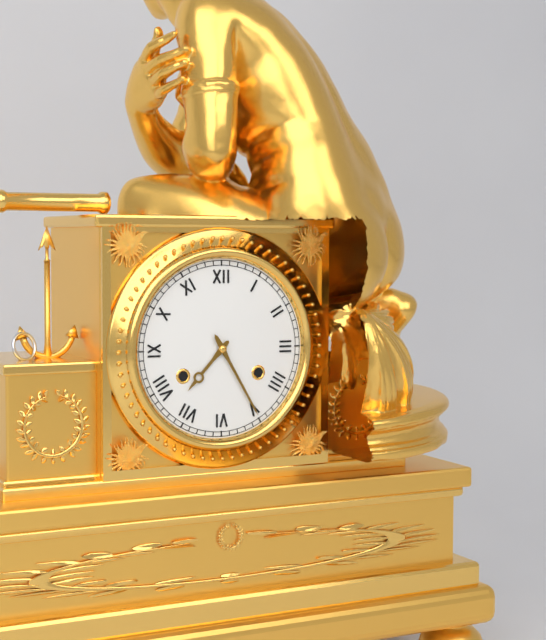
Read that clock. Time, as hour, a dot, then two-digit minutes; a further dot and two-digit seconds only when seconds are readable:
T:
7.25
